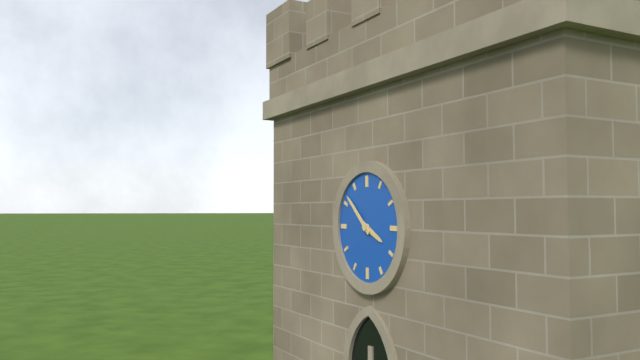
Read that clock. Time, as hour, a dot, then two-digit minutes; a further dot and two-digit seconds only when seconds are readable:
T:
3.52
